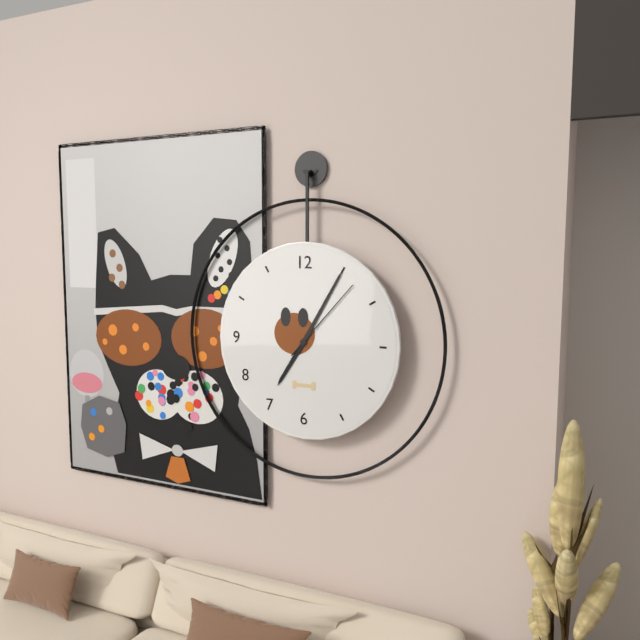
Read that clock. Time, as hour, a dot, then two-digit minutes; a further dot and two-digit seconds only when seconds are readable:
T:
7.05.07
